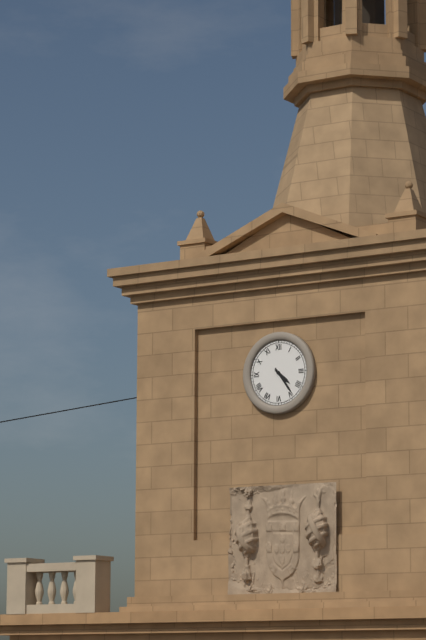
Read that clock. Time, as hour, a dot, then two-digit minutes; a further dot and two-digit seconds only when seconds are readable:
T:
4.24
